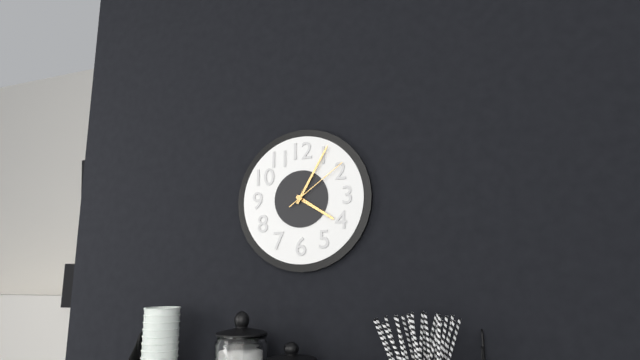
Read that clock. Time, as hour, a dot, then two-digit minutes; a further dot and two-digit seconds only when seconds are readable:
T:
4.05.09
